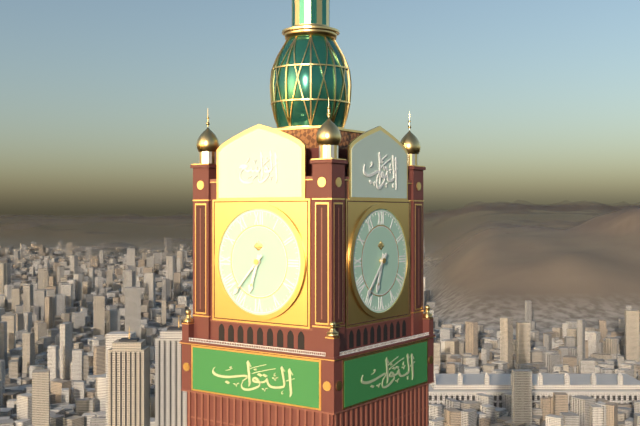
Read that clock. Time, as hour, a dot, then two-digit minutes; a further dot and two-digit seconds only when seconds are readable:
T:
6.37
